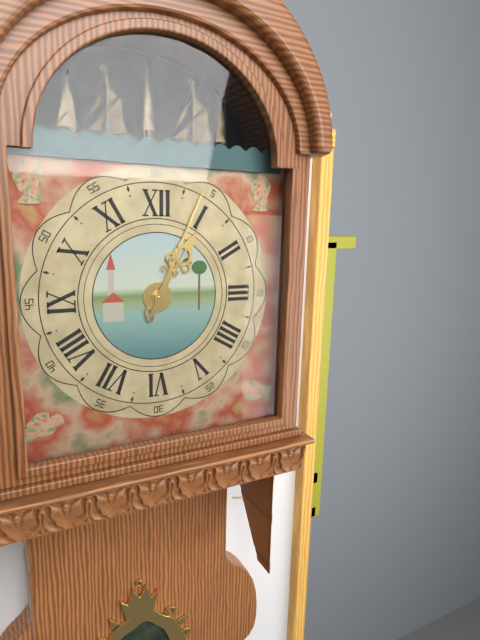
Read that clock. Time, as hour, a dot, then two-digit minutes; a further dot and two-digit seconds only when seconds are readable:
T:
1.04
